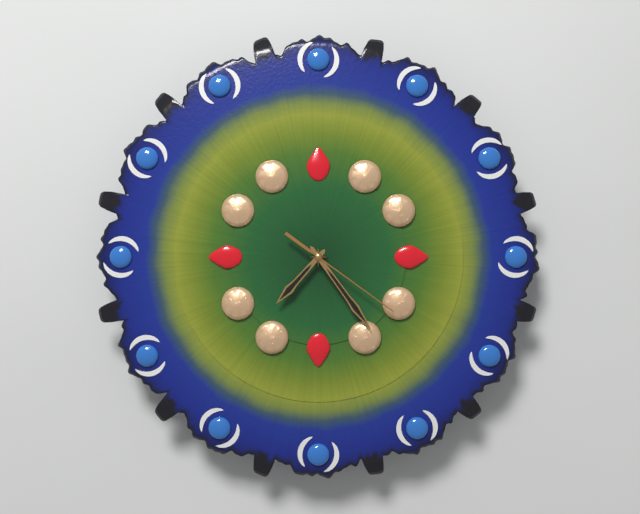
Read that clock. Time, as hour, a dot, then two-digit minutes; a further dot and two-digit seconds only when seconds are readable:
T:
7.24.21
